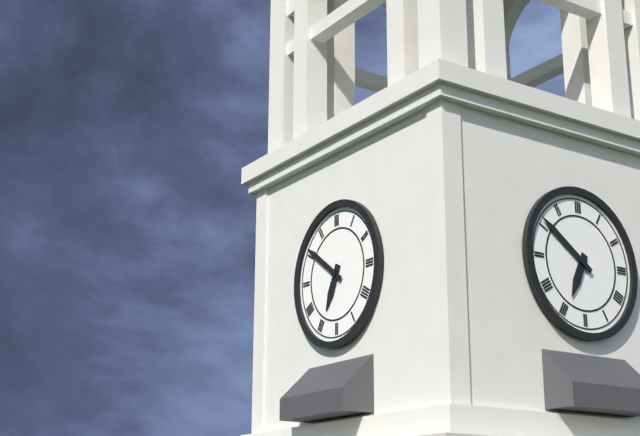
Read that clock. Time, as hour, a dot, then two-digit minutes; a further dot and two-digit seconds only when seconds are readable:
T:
6.51
